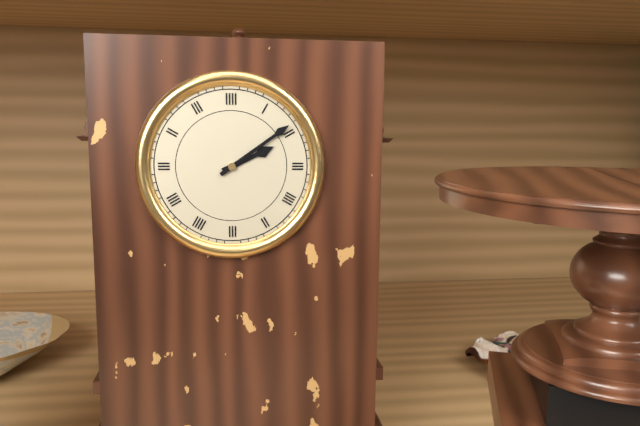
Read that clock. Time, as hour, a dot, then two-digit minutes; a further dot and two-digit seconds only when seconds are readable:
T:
2.09
